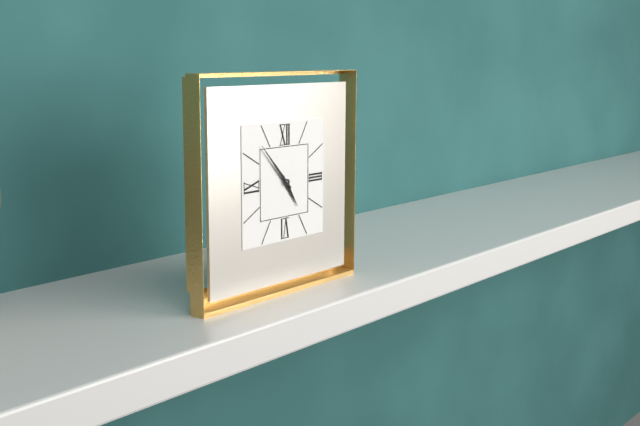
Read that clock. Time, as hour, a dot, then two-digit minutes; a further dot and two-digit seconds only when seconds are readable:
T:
4.53
